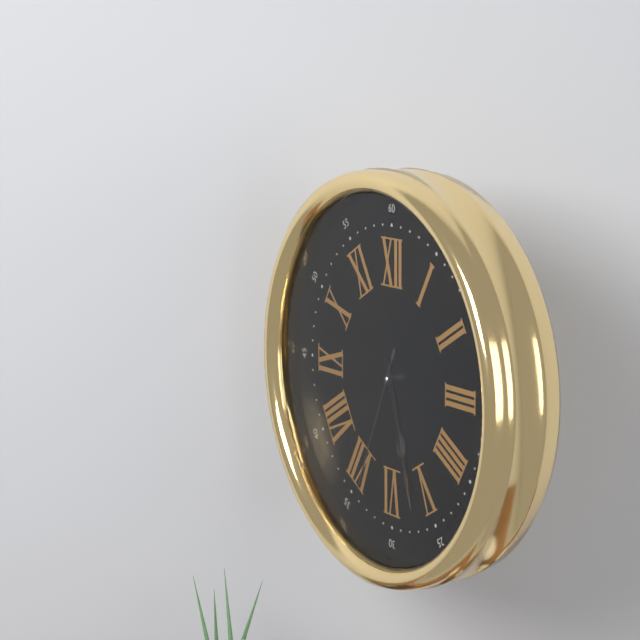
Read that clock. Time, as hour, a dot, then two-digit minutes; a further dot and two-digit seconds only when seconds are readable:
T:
5.27.34
